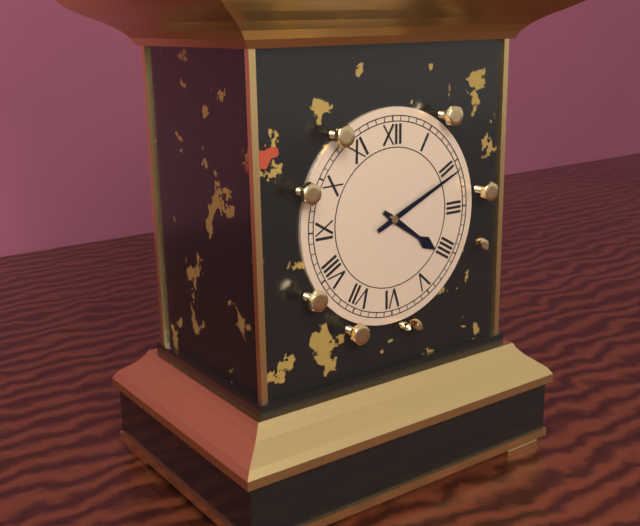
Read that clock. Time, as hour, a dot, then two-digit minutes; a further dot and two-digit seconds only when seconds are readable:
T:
4.11
